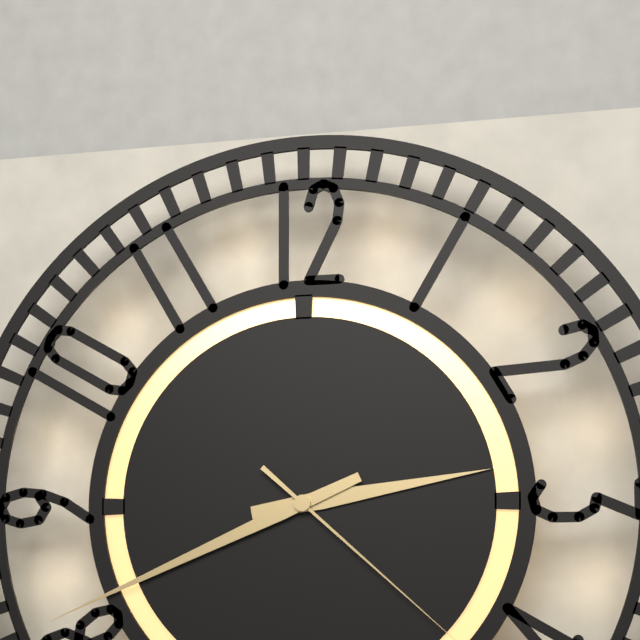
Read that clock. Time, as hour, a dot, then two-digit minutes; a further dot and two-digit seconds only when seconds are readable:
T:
2.41
